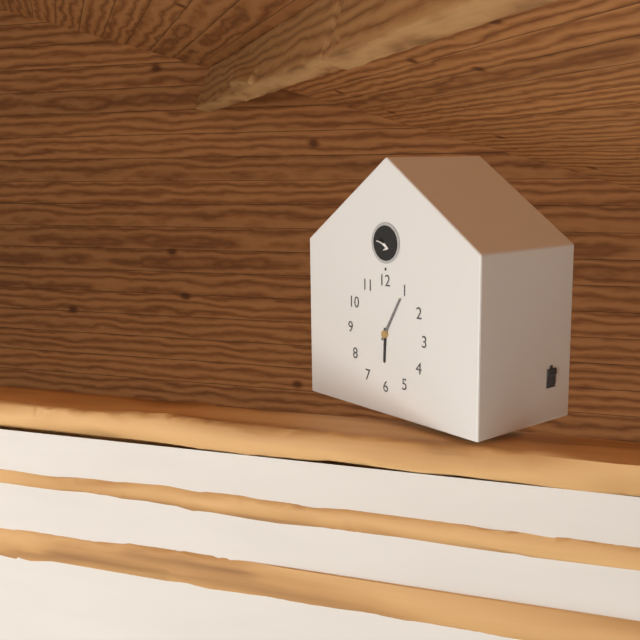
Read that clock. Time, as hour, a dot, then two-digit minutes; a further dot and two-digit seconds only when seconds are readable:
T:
6.05
